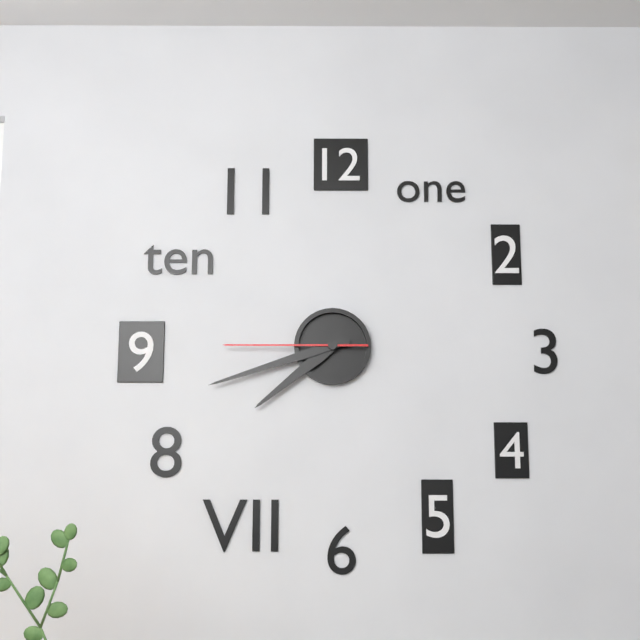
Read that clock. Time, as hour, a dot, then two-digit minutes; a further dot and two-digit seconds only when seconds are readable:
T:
7.42.45
